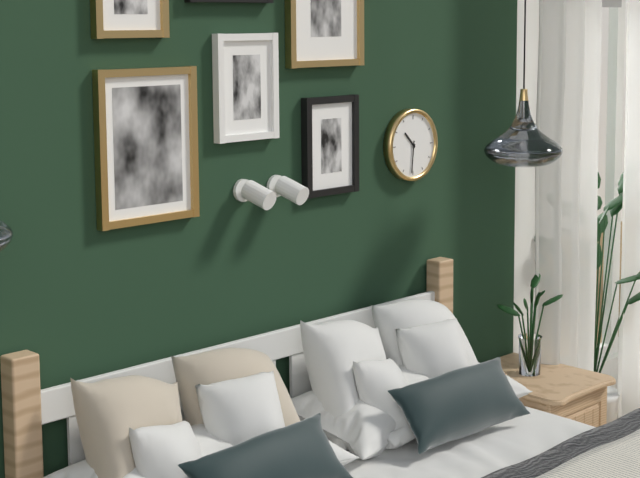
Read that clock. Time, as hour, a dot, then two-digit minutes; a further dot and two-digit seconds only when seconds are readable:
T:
10.31
